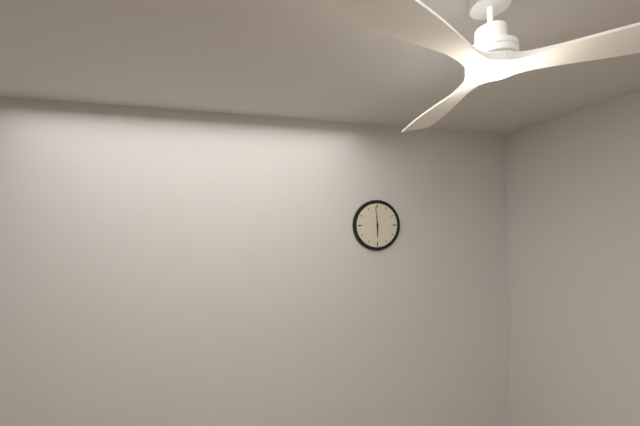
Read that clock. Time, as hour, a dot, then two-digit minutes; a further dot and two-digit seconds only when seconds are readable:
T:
5.59
